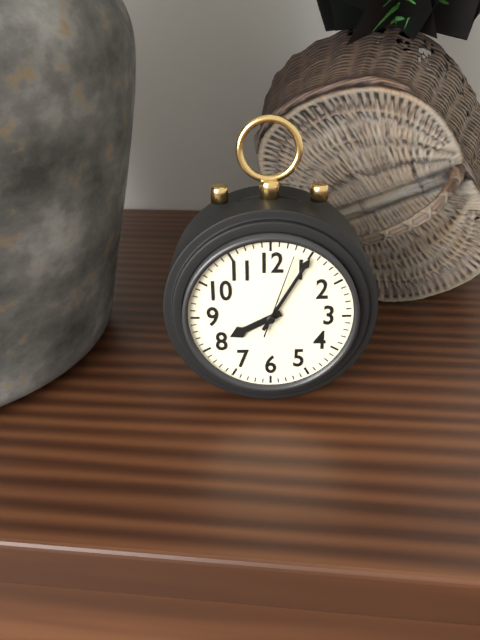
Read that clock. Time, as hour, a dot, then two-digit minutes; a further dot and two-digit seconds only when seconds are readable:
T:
8.05.03
